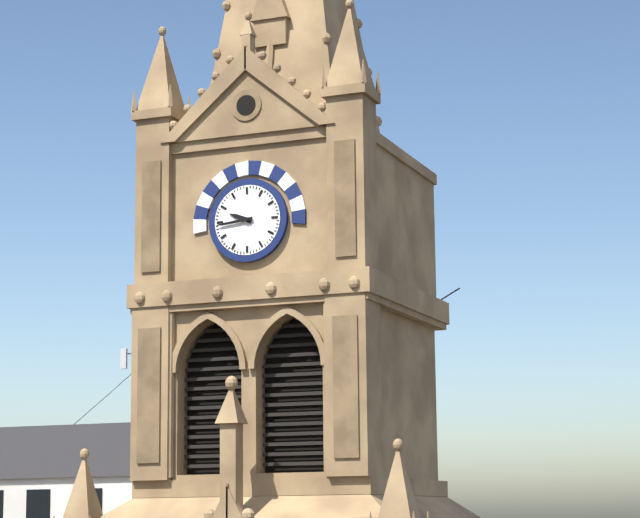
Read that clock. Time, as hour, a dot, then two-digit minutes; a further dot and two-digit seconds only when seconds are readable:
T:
9.44
